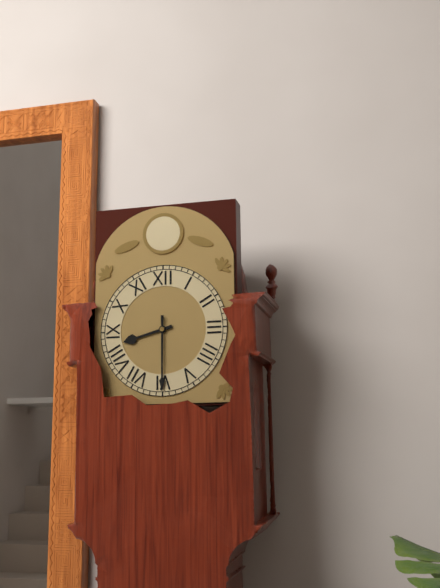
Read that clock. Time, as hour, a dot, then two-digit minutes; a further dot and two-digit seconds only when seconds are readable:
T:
8.30
